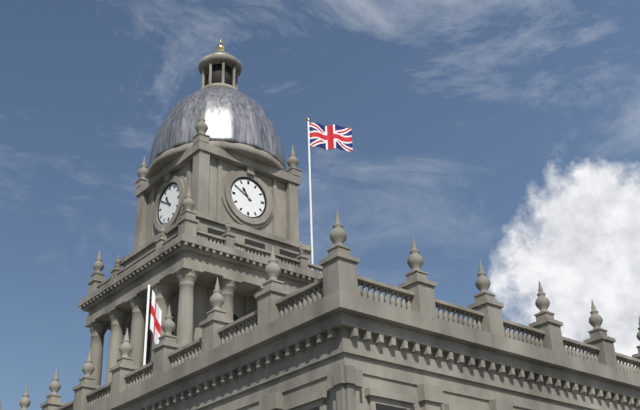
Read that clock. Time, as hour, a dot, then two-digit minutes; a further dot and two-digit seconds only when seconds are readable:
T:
10.50
